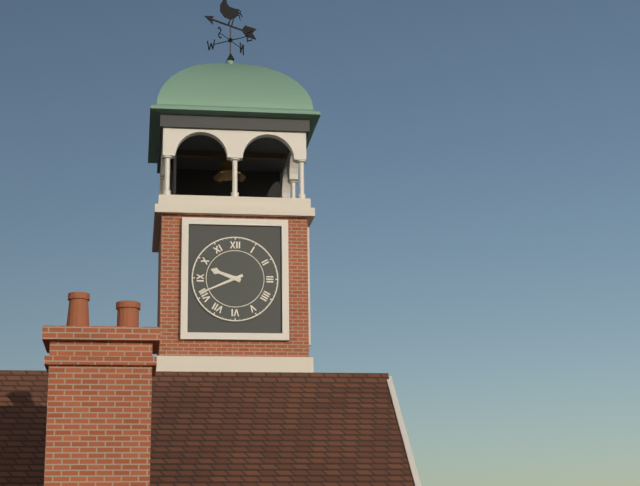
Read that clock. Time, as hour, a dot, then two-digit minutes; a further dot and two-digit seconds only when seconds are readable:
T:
9.41
